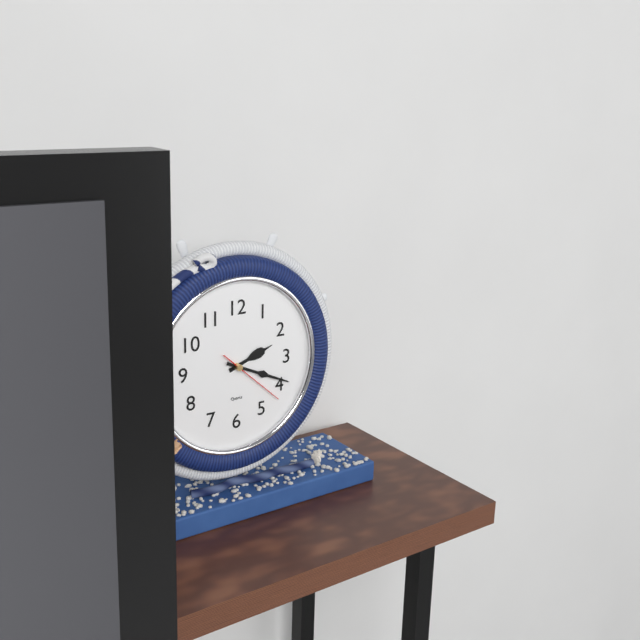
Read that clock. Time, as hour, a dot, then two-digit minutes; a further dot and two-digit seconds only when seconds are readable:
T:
2.19.22
